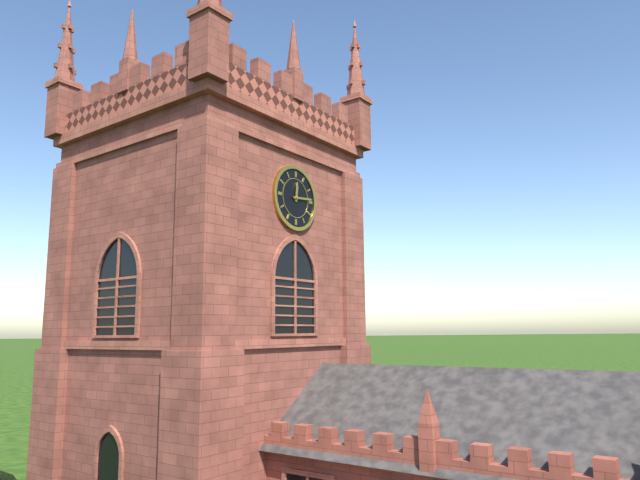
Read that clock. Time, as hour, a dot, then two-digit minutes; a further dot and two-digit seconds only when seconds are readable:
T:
12.14
